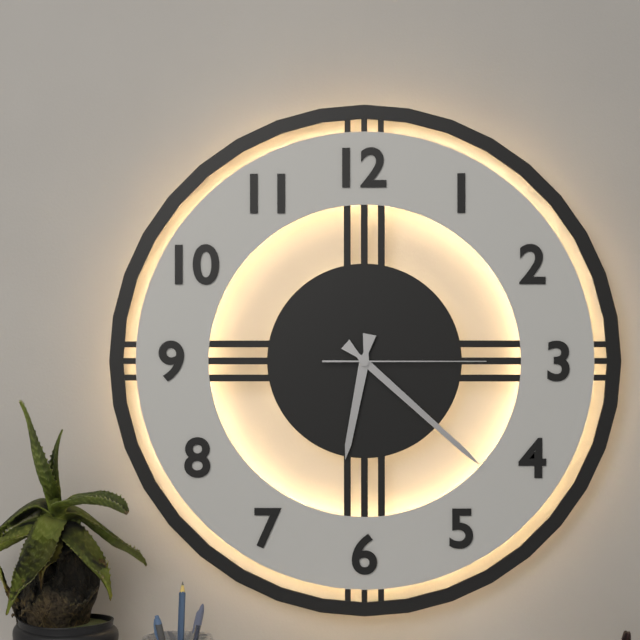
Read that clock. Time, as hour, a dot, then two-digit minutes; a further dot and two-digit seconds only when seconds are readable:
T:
6.22.15
